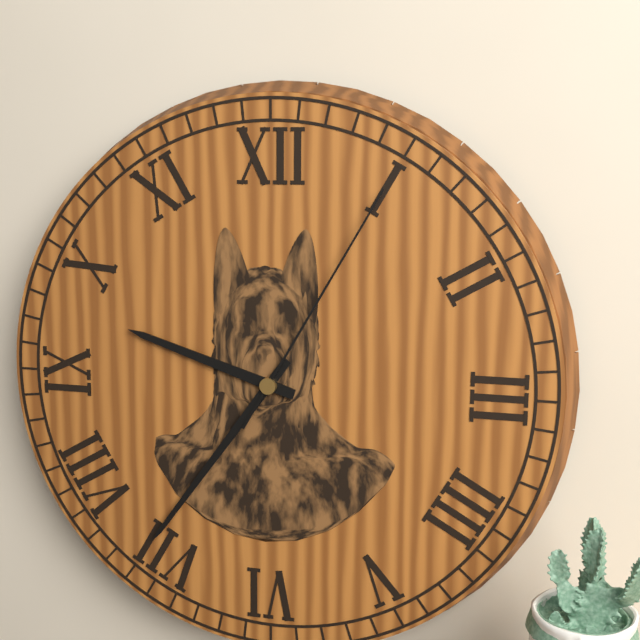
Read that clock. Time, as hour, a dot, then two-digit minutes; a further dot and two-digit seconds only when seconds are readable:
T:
9.36.05
